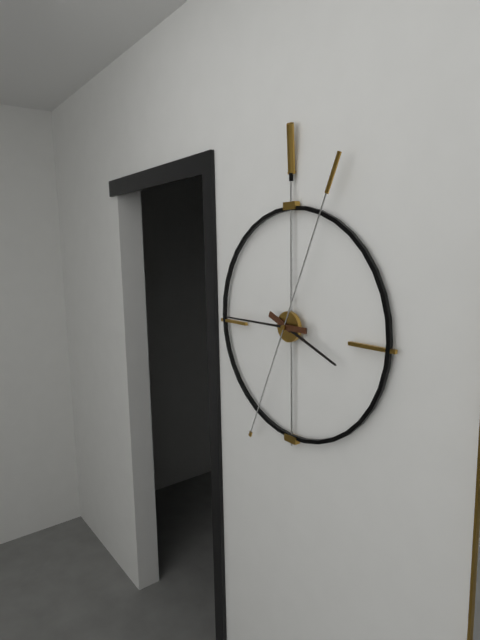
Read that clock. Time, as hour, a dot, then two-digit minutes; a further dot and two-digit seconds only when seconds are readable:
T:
3.45.04
